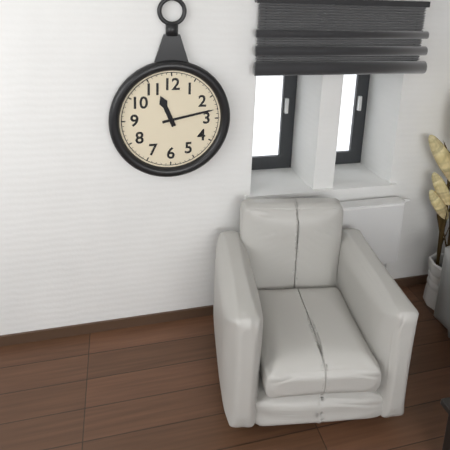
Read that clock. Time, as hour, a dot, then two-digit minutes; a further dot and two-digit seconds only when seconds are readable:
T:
11.13
